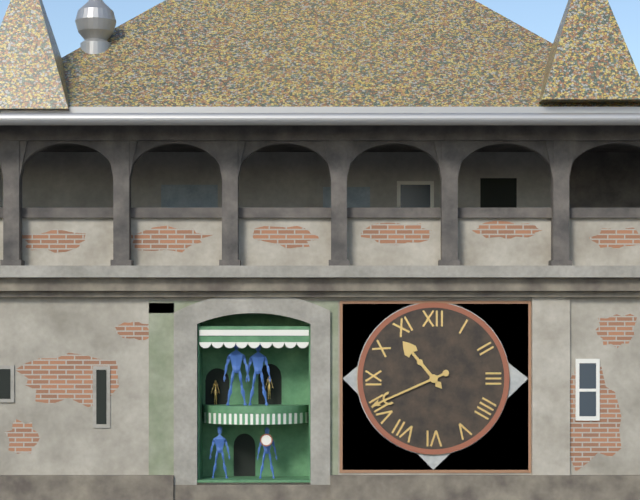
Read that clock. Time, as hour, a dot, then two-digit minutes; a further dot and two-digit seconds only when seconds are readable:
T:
10.41
